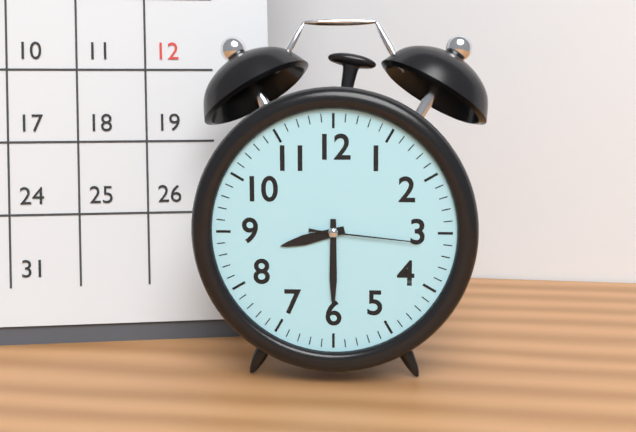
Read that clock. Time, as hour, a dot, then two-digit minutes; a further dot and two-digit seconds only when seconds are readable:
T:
8.30.16
